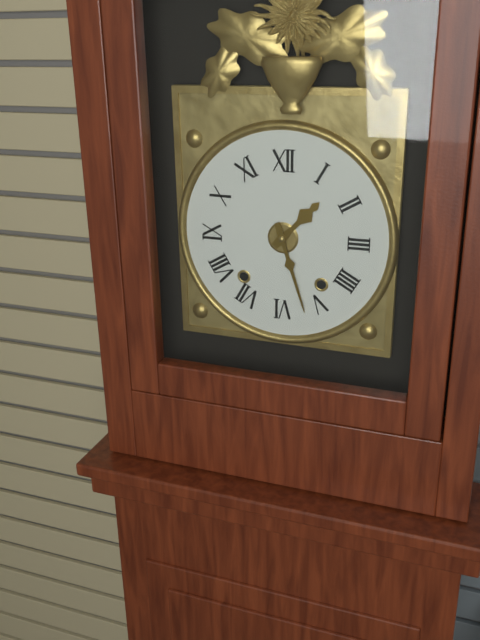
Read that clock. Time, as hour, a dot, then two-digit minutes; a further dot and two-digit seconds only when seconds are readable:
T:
1.27
